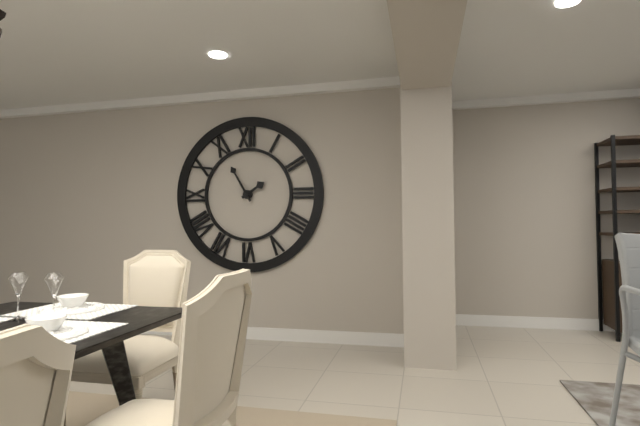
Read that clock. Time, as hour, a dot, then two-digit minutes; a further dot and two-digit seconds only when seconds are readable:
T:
1.55
